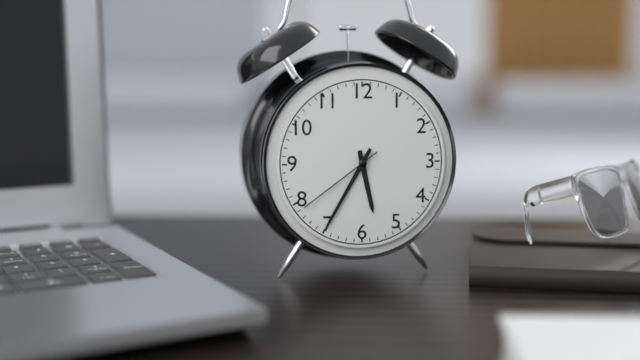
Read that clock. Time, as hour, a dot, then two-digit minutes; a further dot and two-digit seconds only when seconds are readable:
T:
5.35.39
